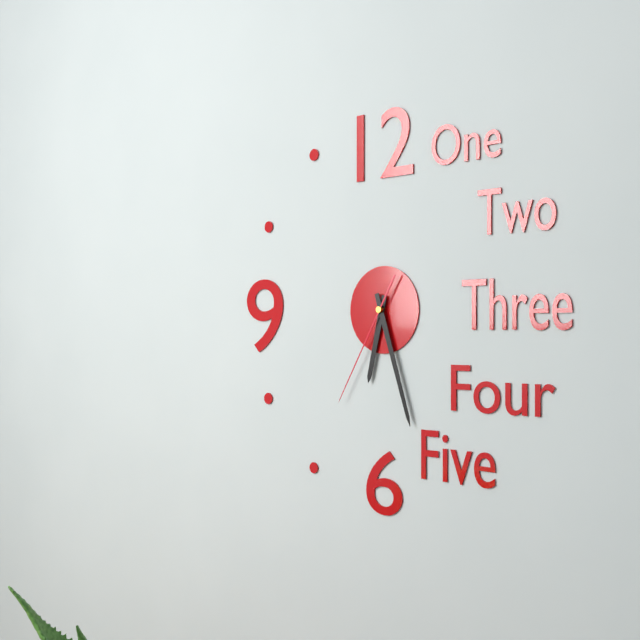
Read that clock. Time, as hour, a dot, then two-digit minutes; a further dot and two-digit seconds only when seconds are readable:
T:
6.27.35
